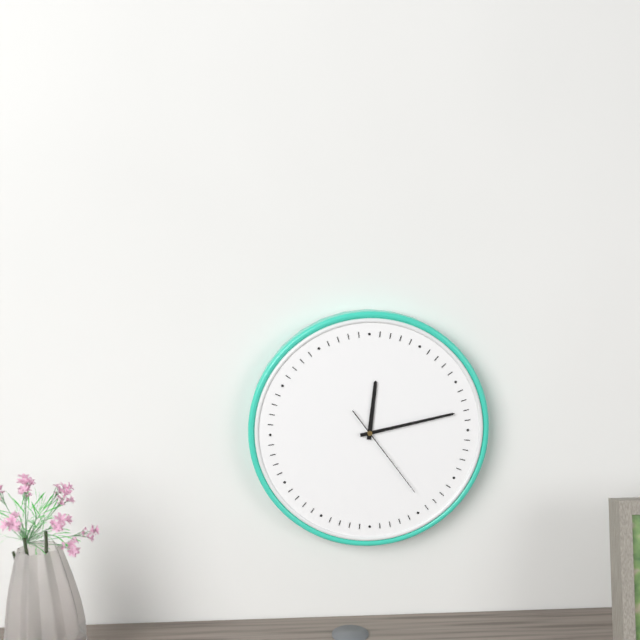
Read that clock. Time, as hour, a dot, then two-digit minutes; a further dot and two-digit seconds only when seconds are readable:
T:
12.13.24
